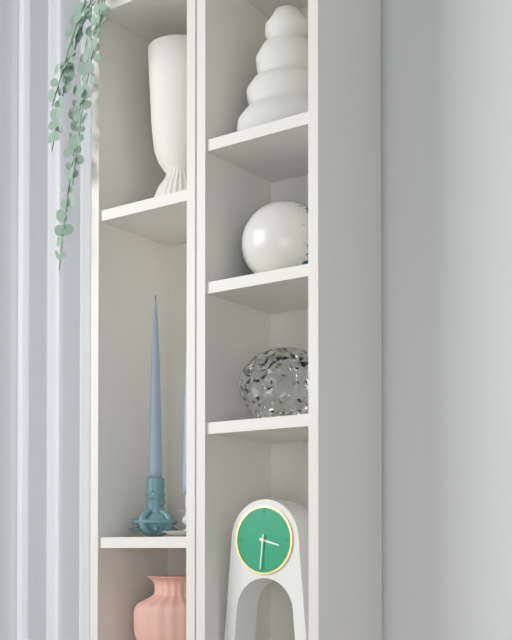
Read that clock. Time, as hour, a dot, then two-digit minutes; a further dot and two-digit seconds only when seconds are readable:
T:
3.31
